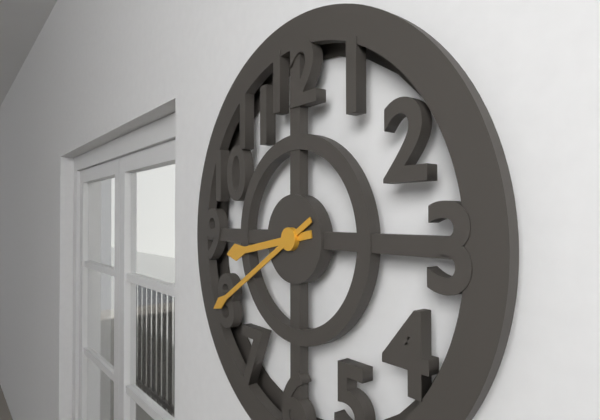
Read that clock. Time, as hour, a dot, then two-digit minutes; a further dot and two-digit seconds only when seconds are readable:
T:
8.40
